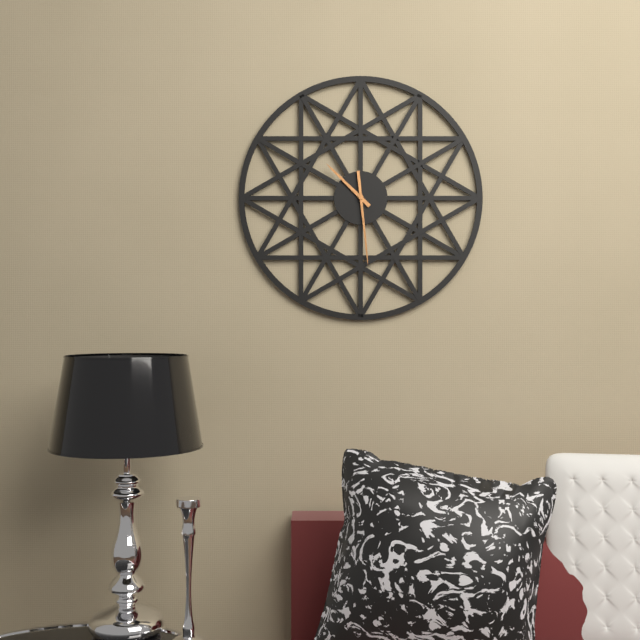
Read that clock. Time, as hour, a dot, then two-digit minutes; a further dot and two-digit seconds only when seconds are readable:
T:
10.29
